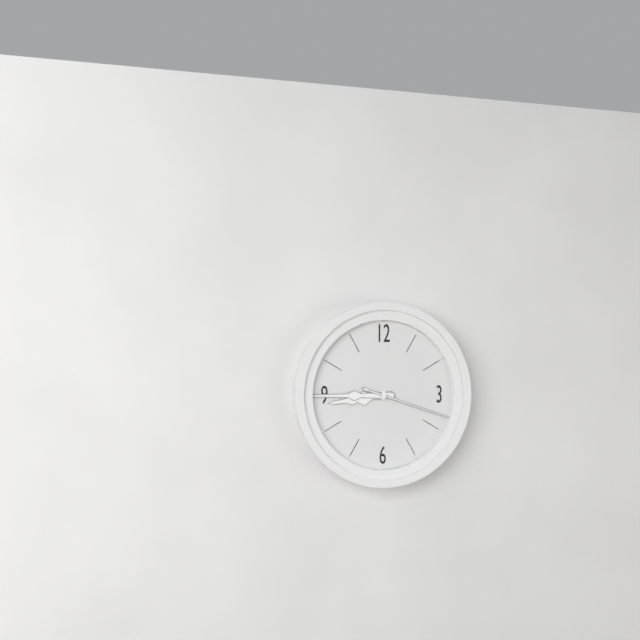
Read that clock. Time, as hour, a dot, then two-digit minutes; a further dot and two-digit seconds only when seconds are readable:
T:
8.45.18
